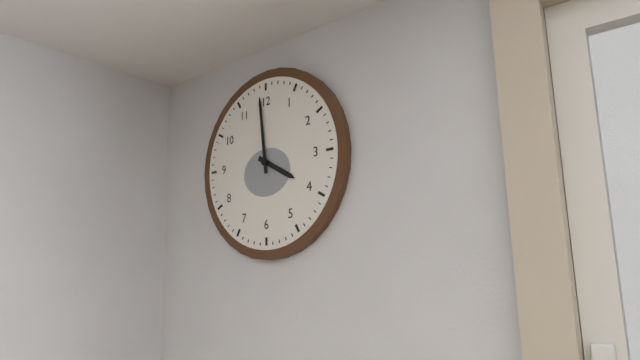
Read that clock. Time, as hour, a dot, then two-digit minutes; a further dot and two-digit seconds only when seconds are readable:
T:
3.59
